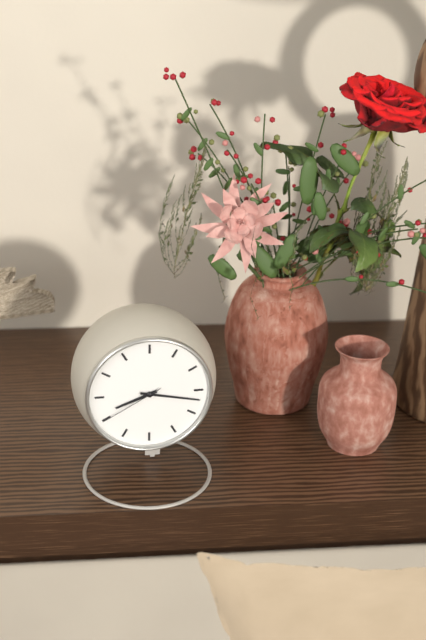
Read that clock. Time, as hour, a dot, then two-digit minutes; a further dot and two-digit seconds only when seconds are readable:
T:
8.17.40
